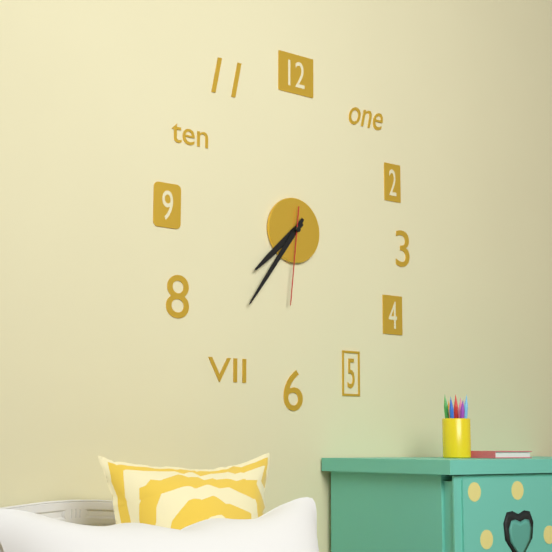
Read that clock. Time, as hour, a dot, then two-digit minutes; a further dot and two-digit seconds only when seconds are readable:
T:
7.36.31
